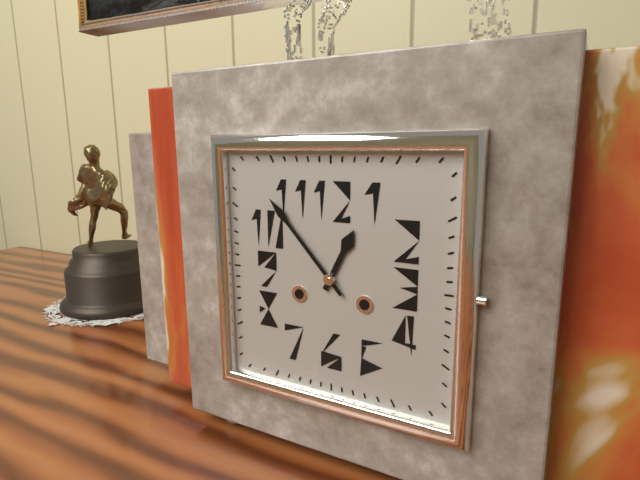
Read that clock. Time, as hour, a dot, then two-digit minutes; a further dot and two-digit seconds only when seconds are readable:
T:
12.53
